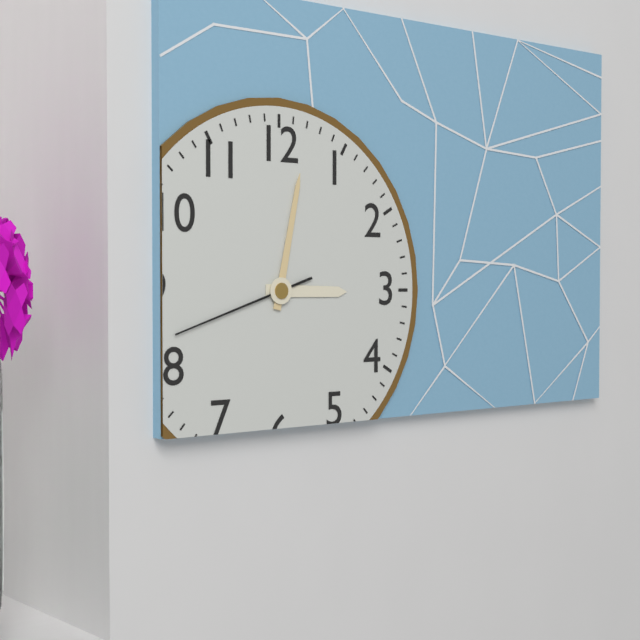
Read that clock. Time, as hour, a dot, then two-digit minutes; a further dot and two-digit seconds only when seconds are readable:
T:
3.02.42
